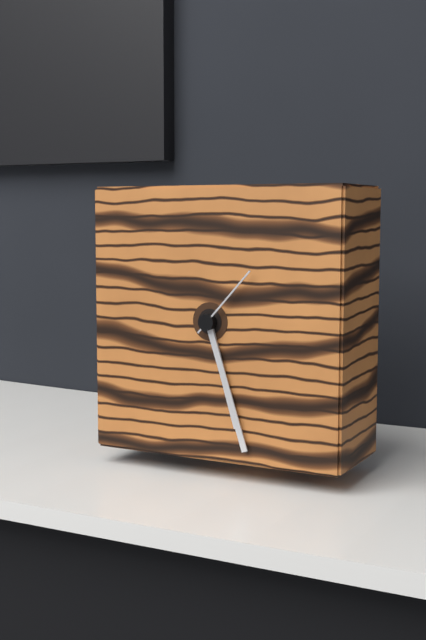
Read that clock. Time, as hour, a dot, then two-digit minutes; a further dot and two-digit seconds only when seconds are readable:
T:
5.27.07
